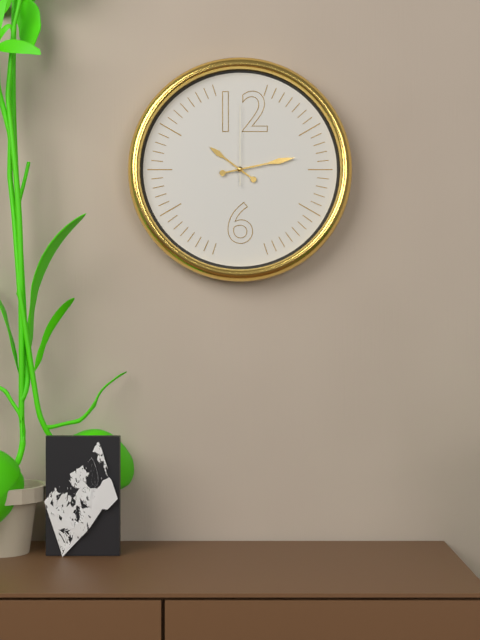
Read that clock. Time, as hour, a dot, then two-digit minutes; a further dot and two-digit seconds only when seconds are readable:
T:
10.13.00
